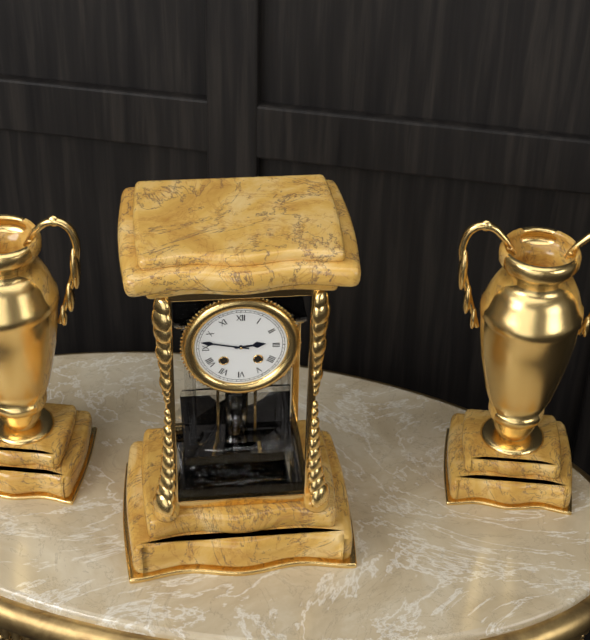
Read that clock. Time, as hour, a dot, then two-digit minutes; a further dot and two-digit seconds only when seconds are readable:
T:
2.47
